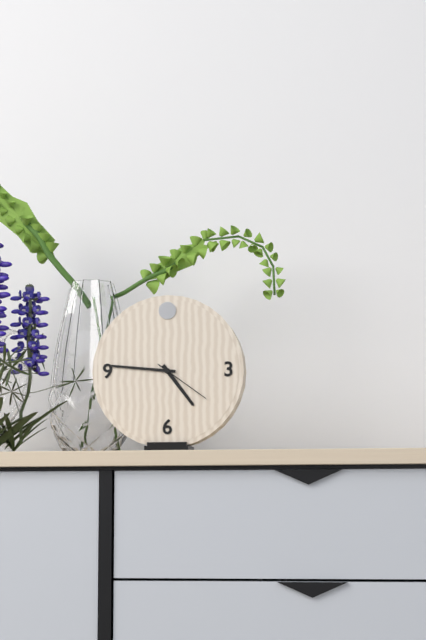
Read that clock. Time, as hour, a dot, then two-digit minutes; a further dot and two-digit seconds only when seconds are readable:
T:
4.46.21
